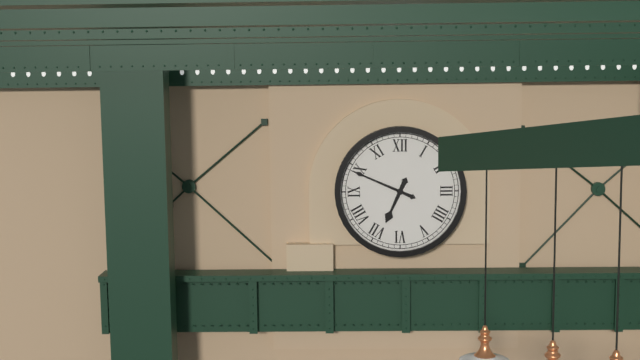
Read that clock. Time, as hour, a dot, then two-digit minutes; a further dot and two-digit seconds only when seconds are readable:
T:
6.49
